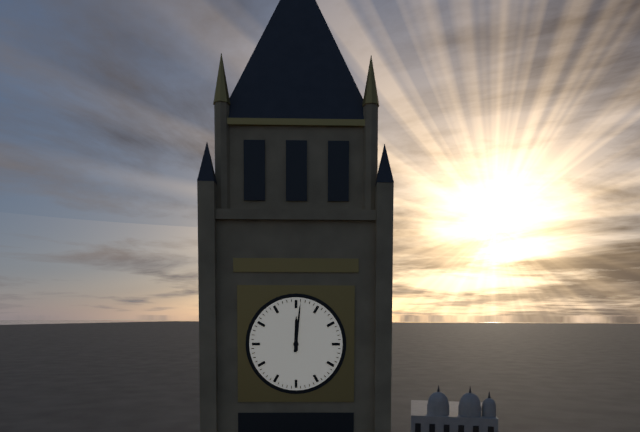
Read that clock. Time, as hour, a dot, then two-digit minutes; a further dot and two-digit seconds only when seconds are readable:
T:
12.01
